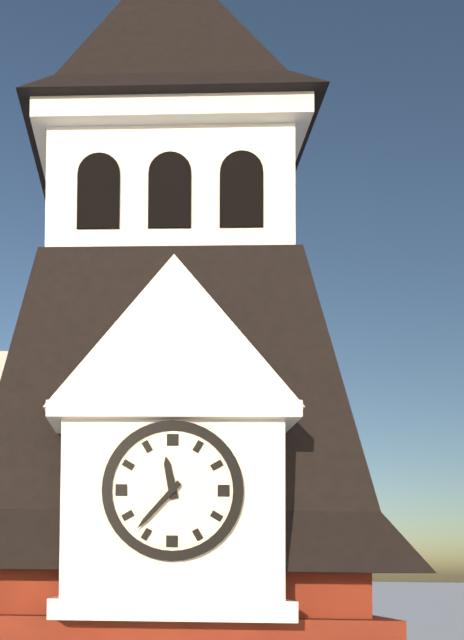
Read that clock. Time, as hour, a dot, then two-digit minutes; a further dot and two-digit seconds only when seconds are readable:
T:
11.37
